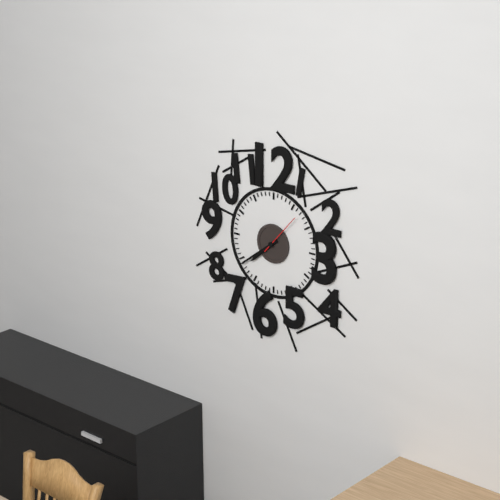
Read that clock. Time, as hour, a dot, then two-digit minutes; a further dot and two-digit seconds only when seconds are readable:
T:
7.39
